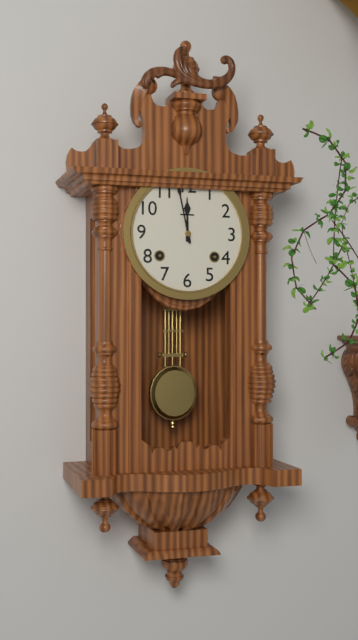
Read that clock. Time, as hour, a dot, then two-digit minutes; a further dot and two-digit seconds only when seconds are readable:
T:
11.58
